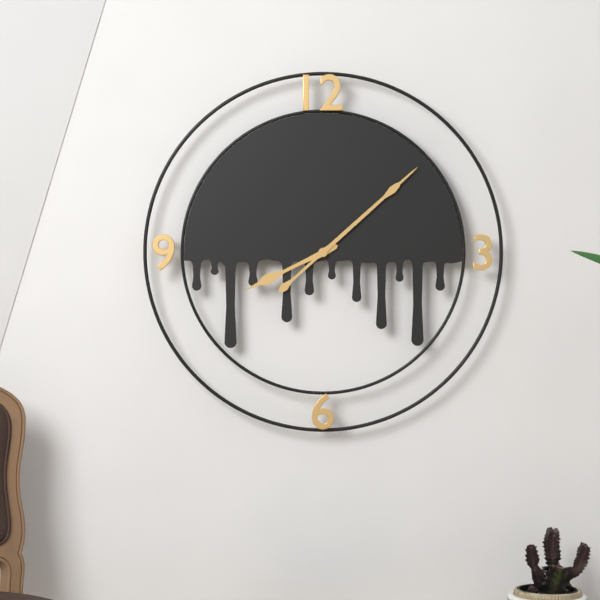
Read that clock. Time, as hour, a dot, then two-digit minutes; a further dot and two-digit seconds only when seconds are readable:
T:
8.08
